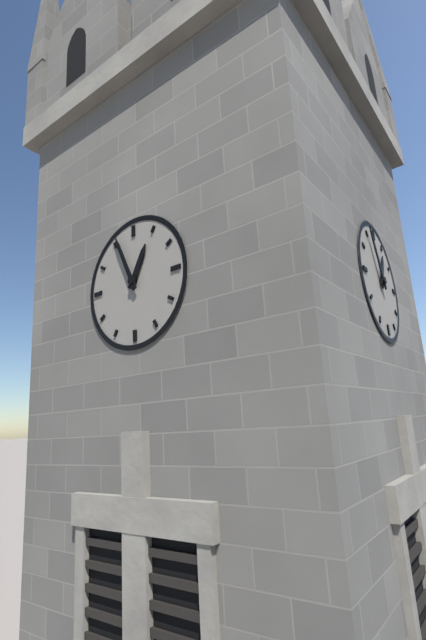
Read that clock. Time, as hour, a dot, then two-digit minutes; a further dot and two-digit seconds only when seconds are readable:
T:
12.56
